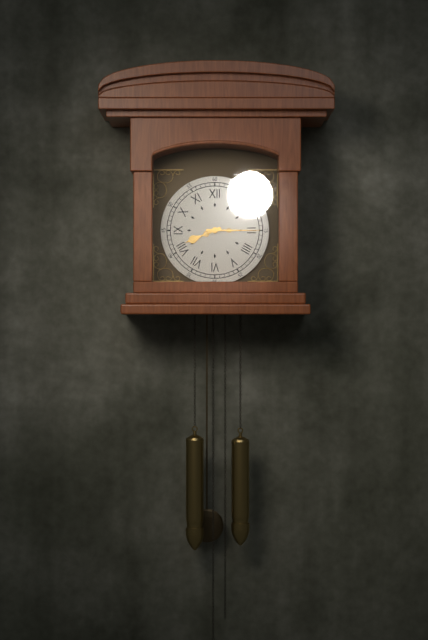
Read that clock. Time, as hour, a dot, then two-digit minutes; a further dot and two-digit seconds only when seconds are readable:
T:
8.15
